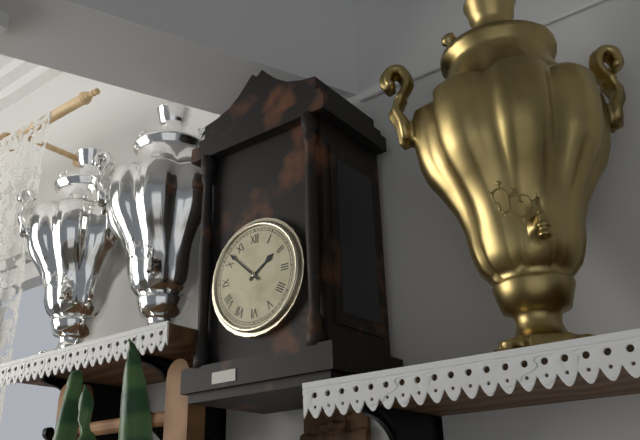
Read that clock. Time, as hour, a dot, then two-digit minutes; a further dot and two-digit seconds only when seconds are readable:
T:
1.52
